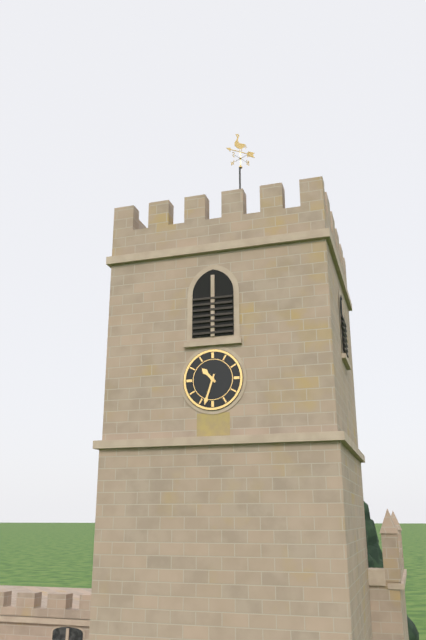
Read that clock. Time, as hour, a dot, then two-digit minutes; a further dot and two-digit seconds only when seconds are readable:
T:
10.33
